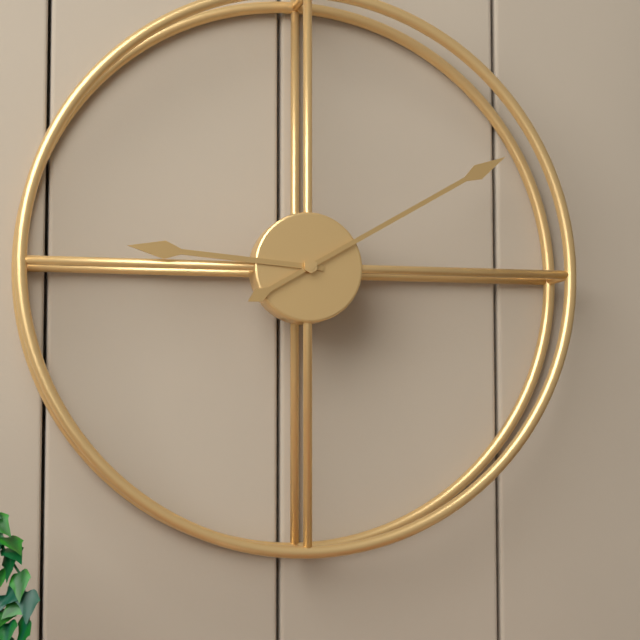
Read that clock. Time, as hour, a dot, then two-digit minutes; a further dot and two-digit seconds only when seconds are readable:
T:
9.10
